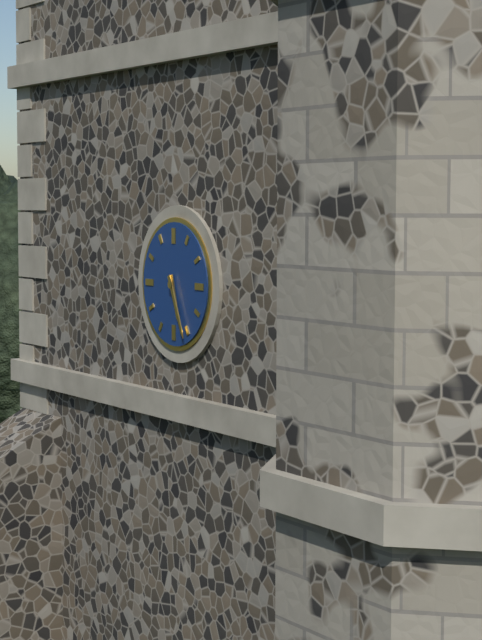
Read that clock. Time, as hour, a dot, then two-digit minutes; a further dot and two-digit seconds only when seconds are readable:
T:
5.26
